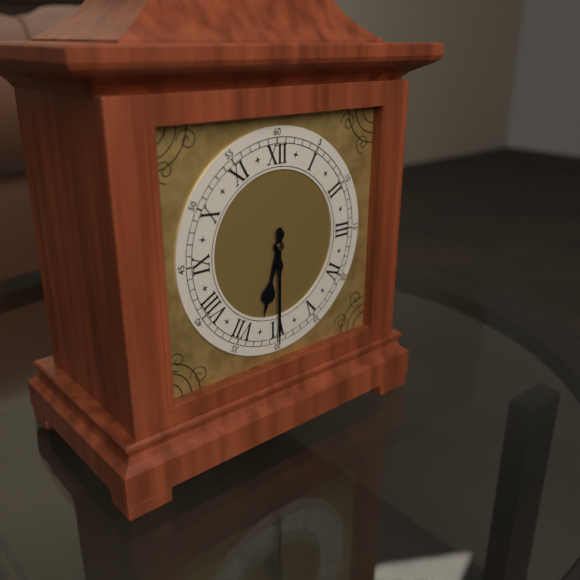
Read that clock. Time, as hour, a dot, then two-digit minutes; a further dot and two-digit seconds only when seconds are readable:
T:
6.30
